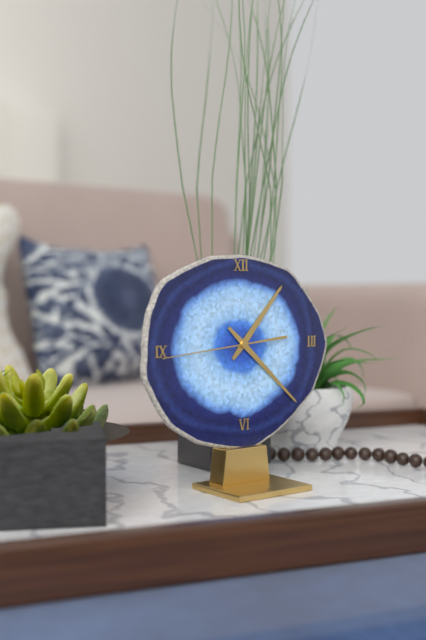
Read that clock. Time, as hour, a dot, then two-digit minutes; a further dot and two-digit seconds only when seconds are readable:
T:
1.22.44
